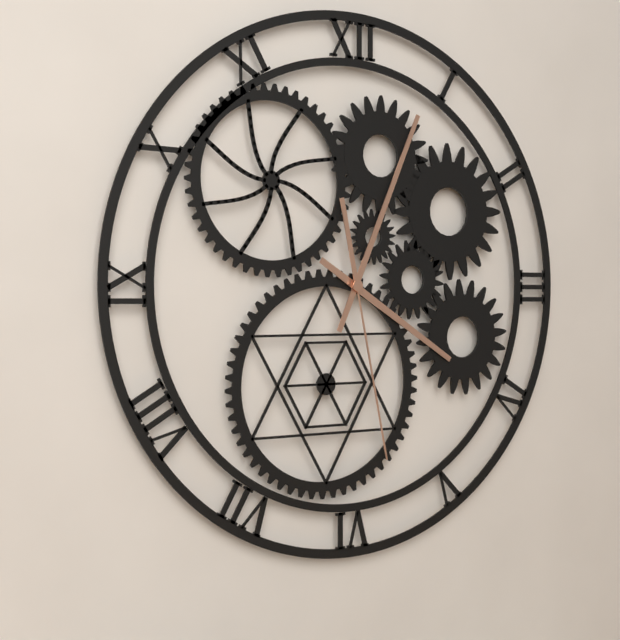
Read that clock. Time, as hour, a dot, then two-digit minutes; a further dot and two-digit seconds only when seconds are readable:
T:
4.04.28
